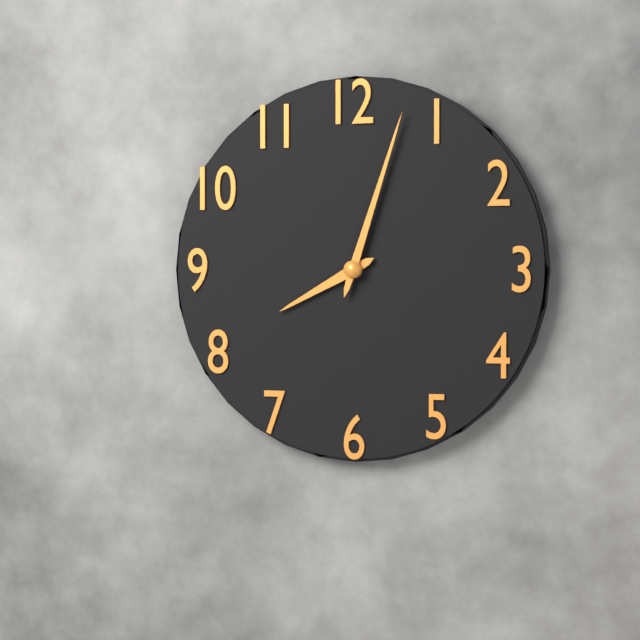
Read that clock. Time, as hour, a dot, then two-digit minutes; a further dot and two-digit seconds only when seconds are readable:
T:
8.03
